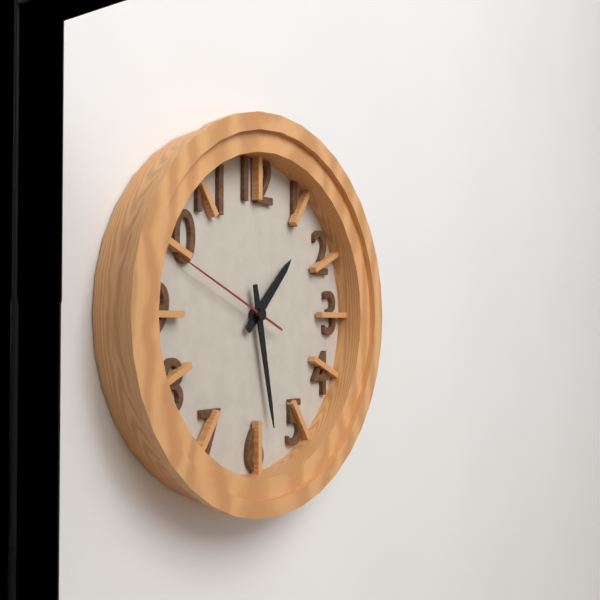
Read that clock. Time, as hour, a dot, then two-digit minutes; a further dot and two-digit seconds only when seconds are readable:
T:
1.28.49
